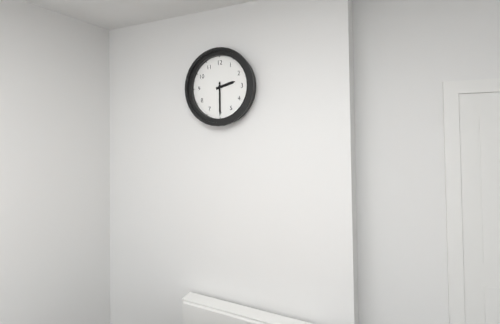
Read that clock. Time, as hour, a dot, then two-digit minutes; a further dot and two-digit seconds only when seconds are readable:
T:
2.30
